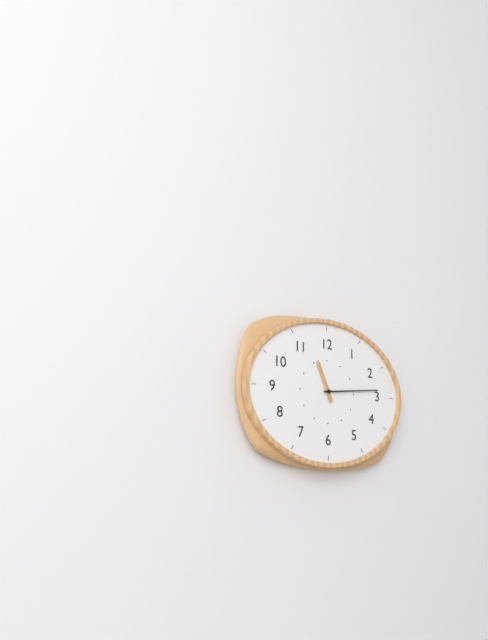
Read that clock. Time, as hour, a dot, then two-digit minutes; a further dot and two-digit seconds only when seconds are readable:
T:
11.14
